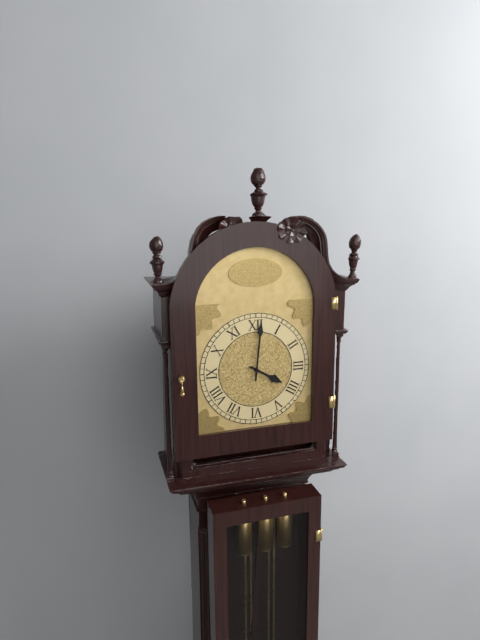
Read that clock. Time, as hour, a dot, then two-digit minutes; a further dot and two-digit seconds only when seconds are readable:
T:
4.01
